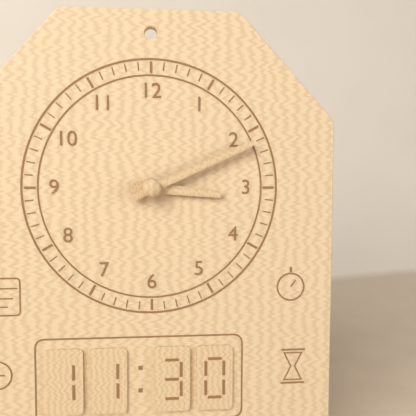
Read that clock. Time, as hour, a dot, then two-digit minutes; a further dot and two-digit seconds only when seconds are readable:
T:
3.11
